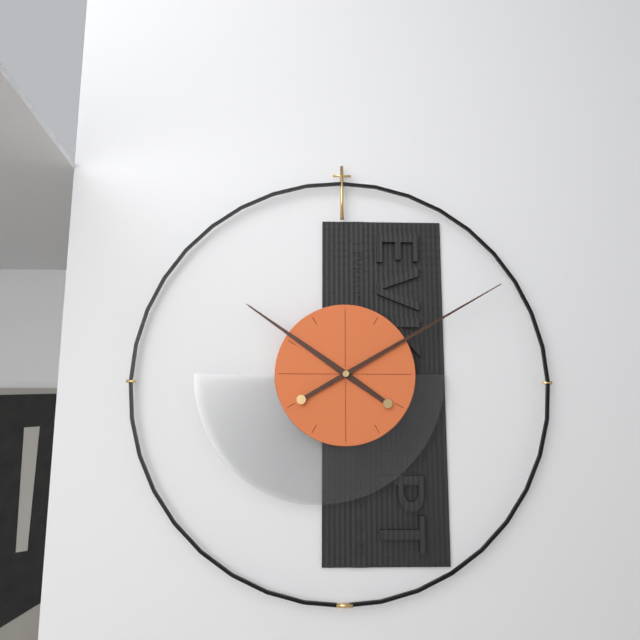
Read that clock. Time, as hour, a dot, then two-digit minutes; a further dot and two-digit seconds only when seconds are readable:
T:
10.10
